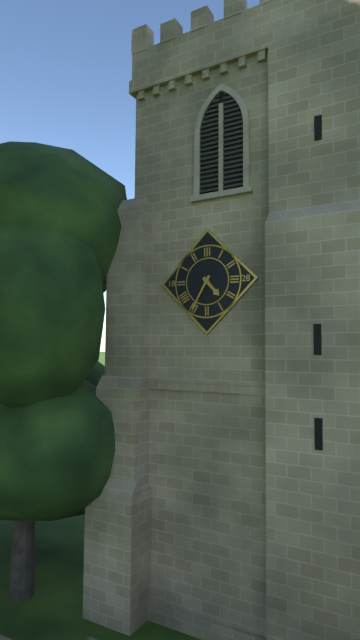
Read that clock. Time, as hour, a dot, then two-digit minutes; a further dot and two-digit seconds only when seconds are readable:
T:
4.35
